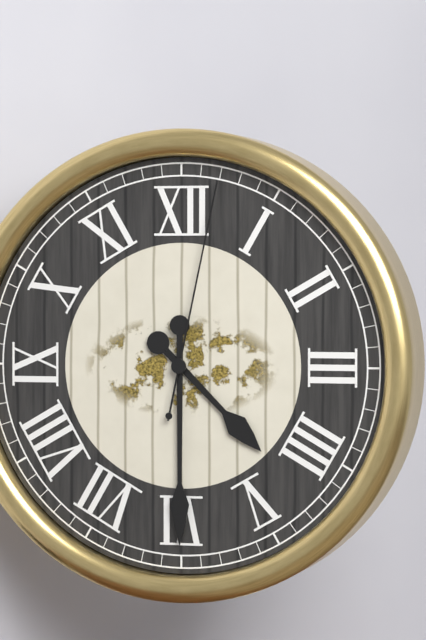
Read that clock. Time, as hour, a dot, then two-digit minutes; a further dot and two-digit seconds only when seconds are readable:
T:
4.30.02
